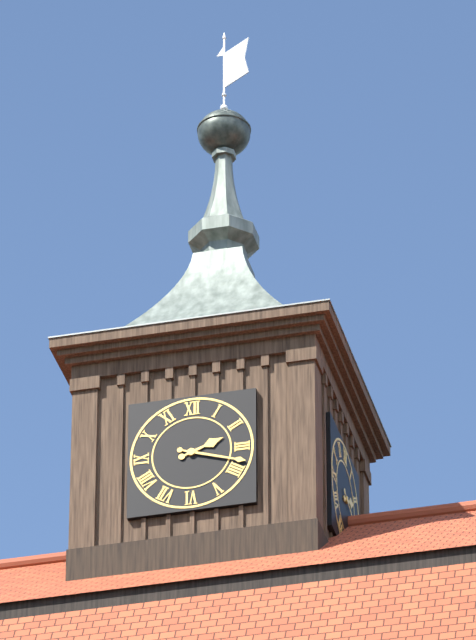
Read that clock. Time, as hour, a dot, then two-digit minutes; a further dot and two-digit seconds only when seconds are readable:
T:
2.18
